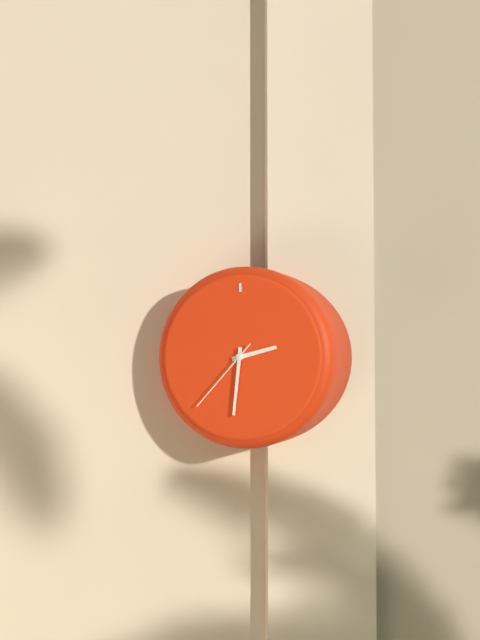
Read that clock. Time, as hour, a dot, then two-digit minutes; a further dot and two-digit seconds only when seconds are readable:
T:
2.31.37
